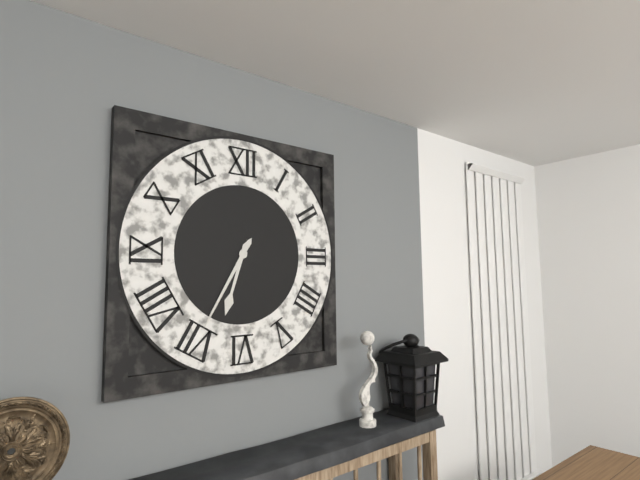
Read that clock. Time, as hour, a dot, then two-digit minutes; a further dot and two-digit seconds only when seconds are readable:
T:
6.35
